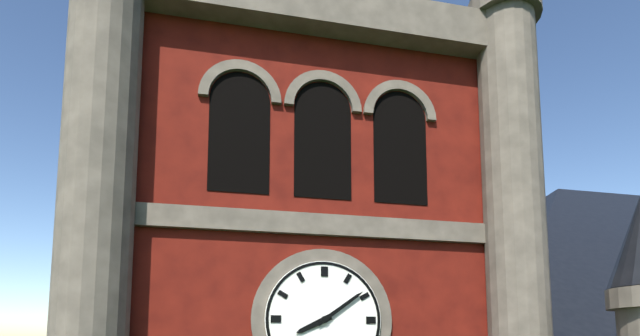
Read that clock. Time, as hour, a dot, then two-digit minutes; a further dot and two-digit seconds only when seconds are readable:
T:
8.09
